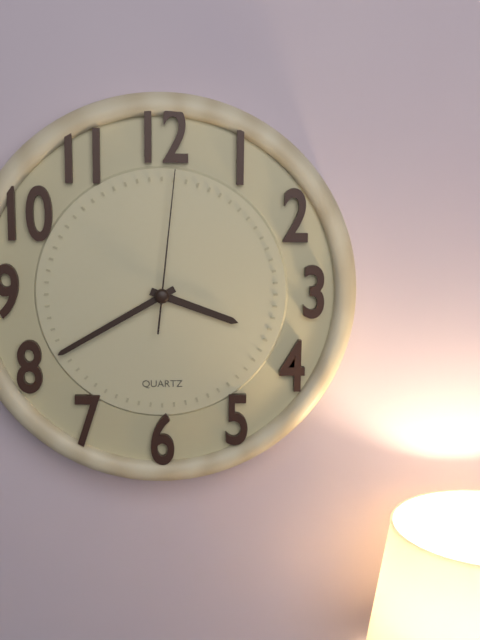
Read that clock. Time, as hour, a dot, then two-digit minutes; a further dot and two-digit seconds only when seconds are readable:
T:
3.40.01
